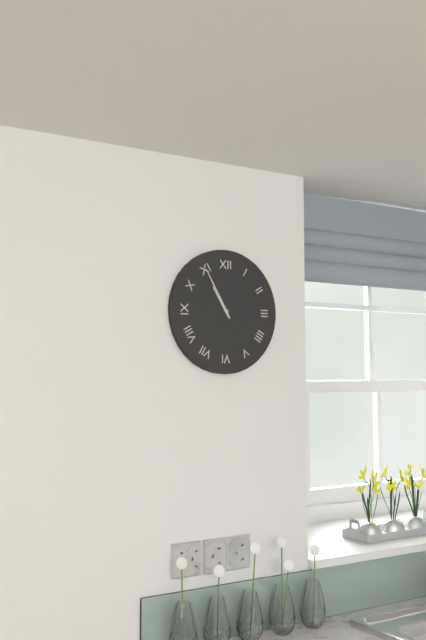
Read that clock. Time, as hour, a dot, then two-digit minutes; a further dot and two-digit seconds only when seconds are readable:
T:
10.55
